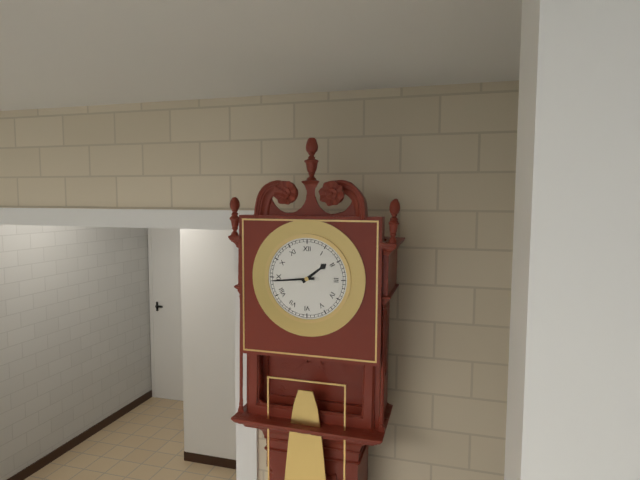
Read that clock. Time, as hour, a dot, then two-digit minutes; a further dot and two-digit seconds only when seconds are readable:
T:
1.44
